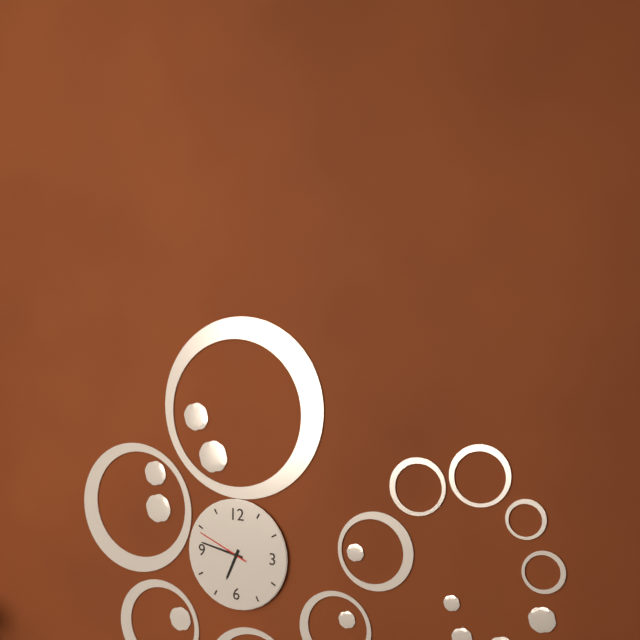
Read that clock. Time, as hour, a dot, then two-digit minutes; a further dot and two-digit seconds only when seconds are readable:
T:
6.47.49
